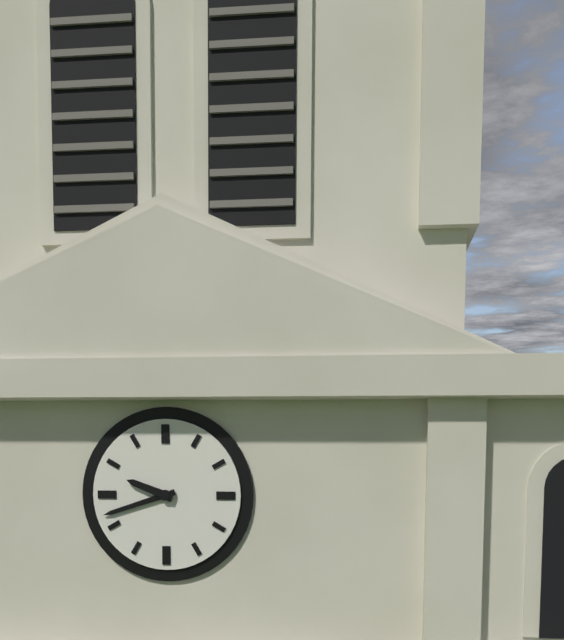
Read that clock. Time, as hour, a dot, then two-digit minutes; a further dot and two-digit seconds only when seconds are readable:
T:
9.42
